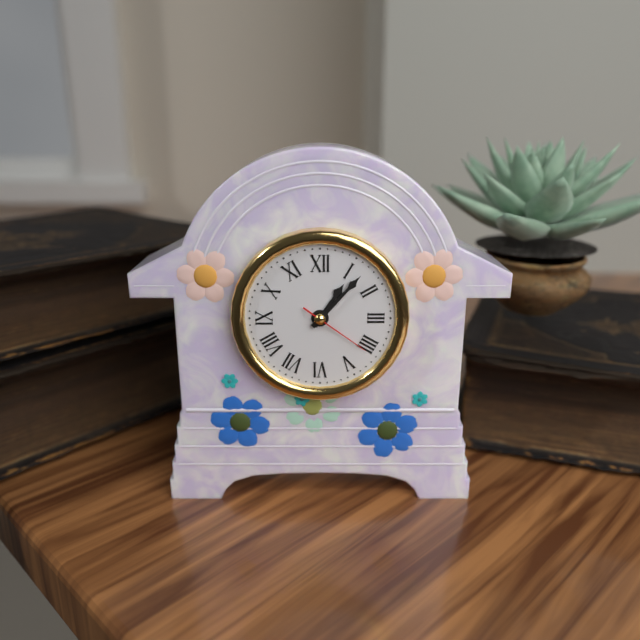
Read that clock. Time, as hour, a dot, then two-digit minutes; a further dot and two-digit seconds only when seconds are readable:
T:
1.07.21
